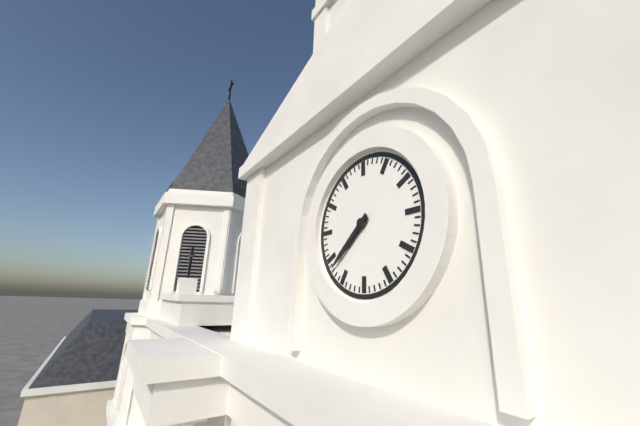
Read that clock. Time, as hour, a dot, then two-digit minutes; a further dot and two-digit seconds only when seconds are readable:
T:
7.38
